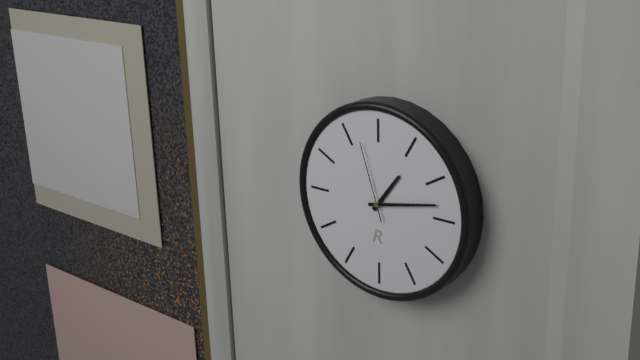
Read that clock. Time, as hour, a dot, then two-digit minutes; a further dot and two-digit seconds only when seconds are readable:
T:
1.13.57
